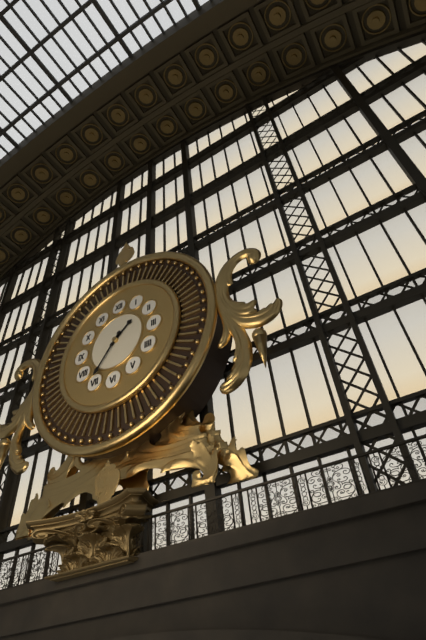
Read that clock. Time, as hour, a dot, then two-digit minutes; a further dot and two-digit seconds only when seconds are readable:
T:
1.36
